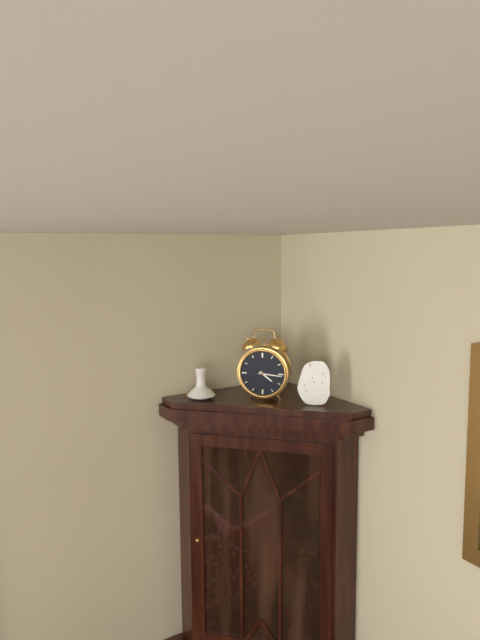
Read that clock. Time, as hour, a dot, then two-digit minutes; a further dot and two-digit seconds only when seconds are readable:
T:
4.16
